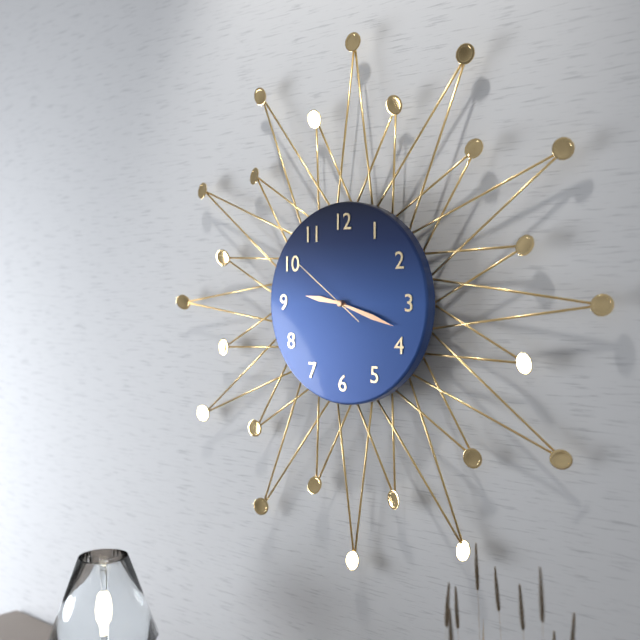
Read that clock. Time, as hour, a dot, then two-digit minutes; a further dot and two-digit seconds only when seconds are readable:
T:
9.18.51
